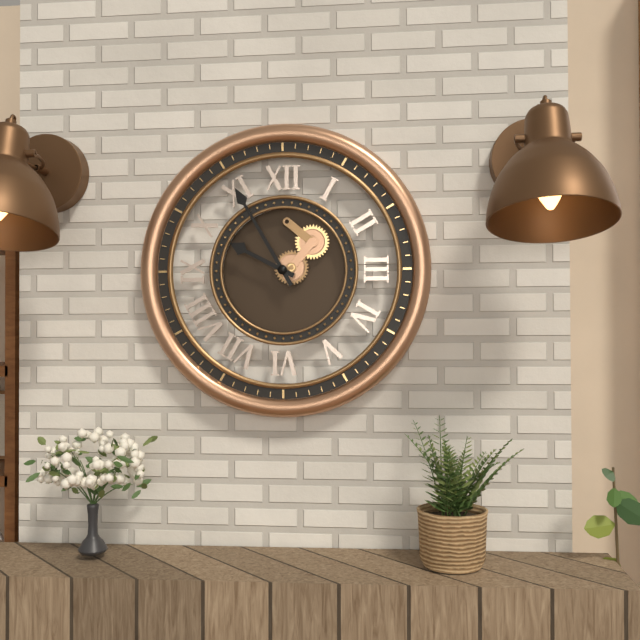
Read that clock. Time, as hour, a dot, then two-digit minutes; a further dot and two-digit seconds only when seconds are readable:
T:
9.55
